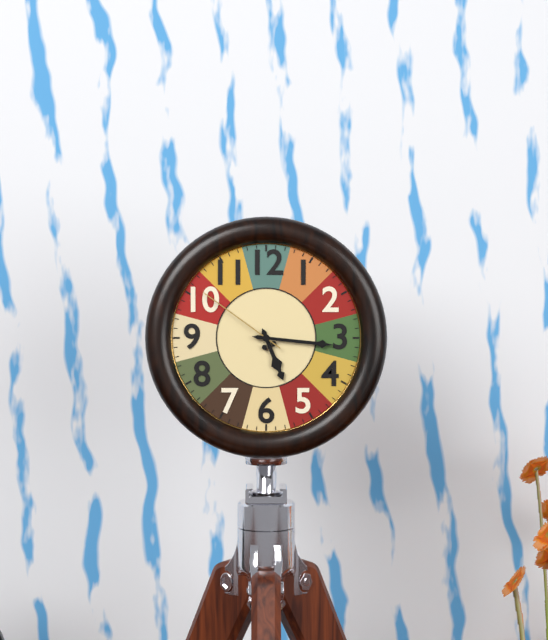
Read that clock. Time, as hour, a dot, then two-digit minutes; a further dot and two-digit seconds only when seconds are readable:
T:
5.16.51
